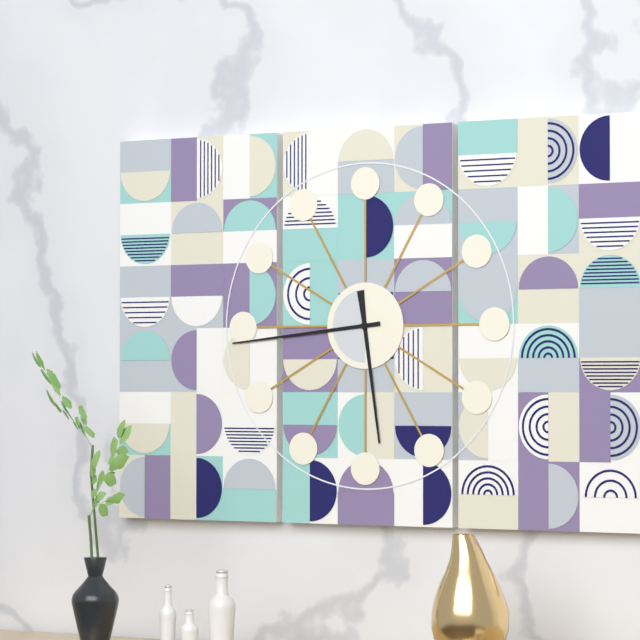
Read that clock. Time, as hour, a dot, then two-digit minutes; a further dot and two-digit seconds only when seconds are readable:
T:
5.44
